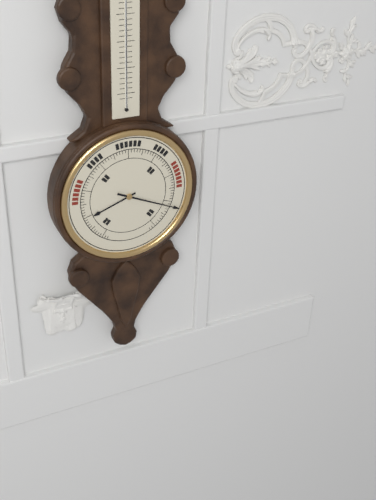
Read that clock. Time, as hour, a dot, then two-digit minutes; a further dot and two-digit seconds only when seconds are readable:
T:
8.19
